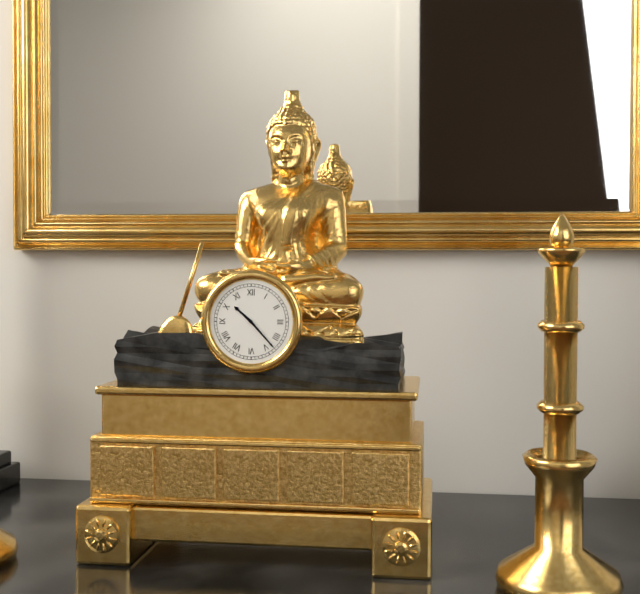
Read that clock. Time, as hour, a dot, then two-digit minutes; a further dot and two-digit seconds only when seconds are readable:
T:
10.23
